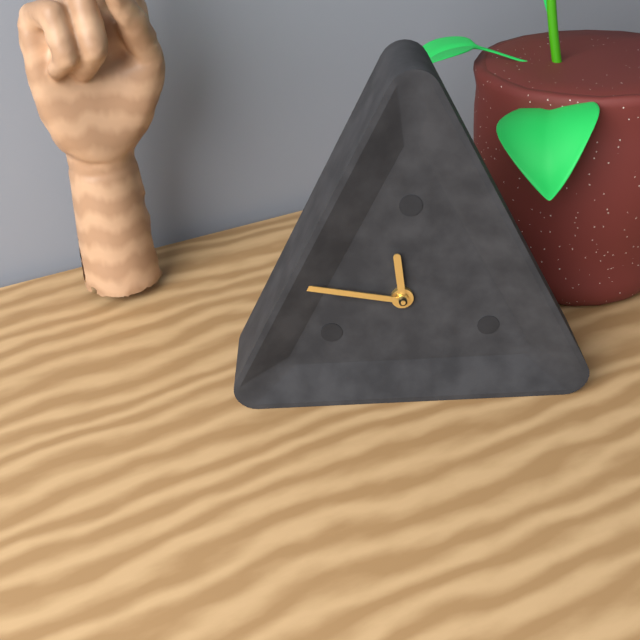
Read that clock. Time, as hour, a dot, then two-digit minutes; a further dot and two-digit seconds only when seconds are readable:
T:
11.47
